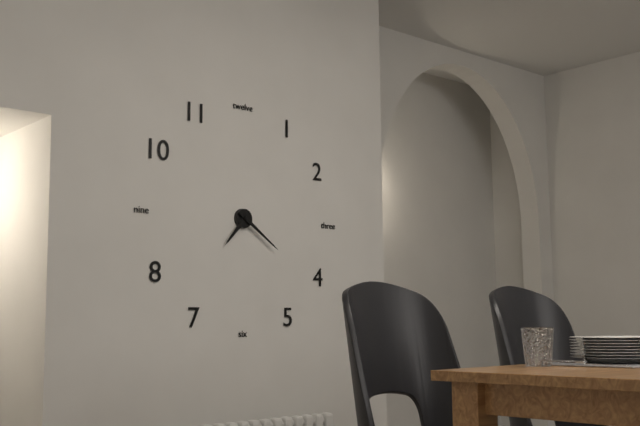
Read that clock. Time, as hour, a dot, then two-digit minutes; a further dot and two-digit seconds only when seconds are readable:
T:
7.21
